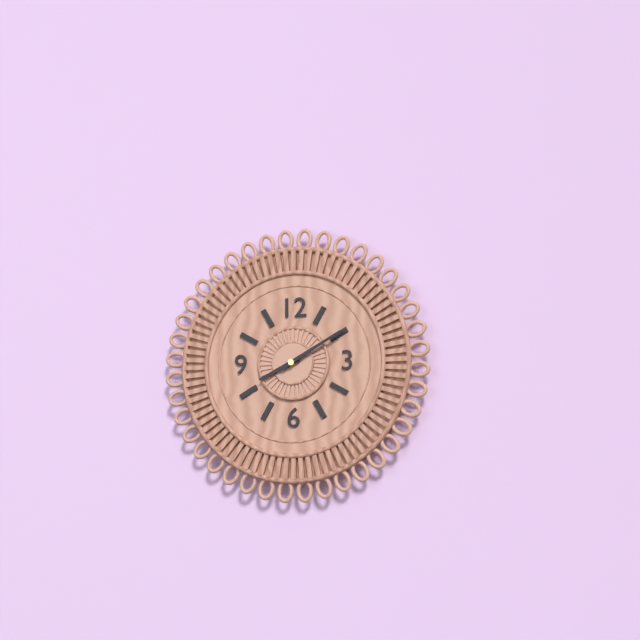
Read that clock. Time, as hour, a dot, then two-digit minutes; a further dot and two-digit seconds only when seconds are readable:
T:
8.10
